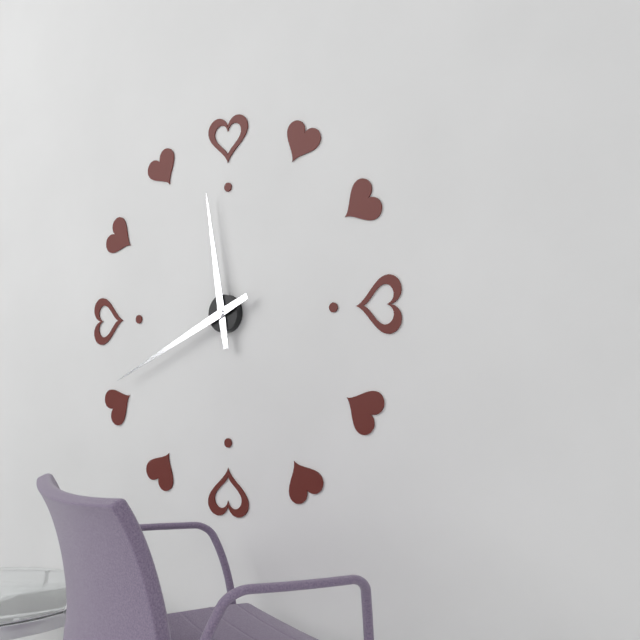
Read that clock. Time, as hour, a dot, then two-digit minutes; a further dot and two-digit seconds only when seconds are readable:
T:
11.41
